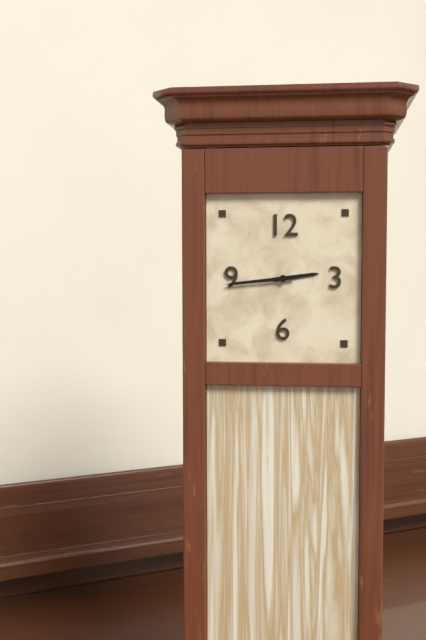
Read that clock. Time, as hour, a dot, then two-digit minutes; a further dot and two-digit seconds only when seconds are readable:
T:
2.44
